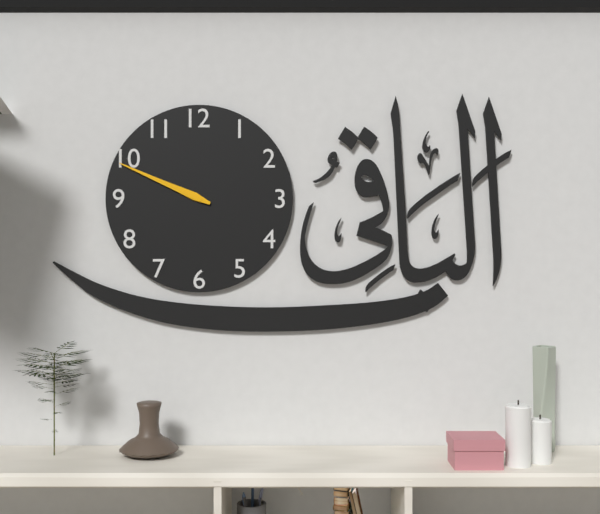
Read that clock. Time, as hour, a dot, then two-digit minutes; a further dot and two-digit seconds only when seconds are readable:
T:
9.49
